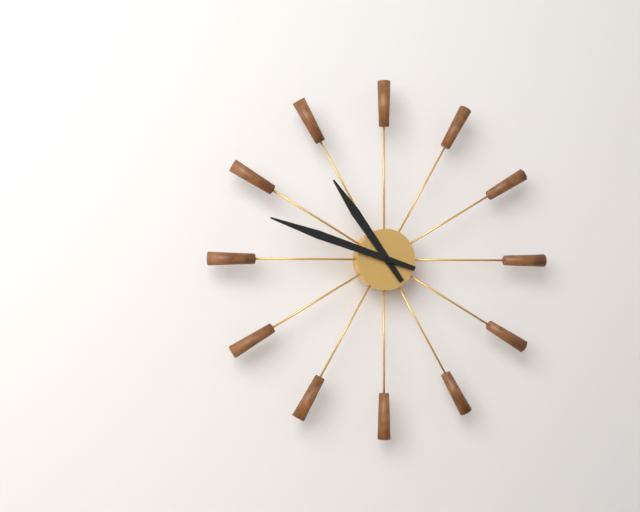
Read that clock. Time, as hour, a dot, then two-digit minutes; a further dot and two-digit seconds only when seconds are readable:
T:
10.48
